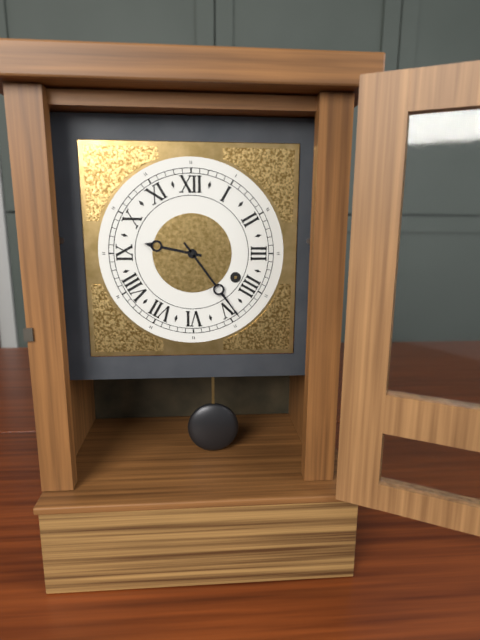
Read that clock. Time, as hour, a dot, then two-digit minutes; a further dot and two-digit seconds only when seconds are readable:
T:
9.24
